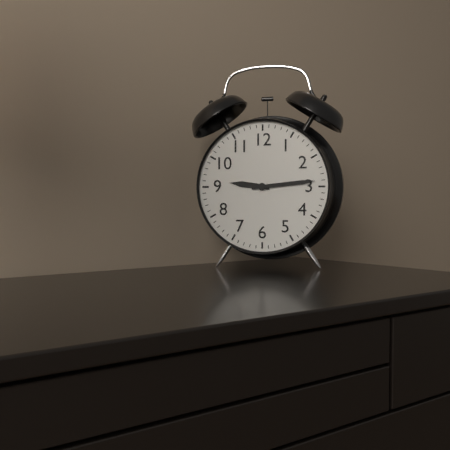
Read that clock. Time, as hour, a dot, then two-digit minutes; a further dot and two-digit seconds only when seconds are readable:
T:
9.14
